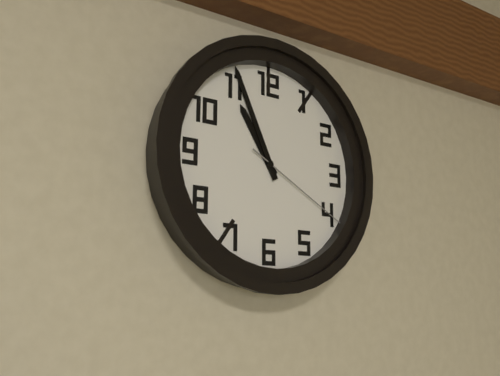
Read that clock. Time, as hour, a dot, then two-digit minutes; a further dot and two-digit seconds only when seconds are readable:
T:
10.56.20
